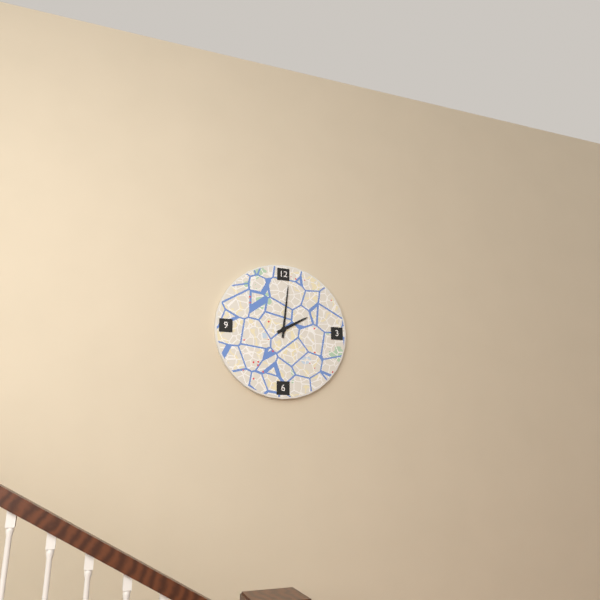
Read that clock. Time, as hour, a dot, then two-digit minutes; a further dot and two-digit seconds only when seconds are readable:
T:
2.01
